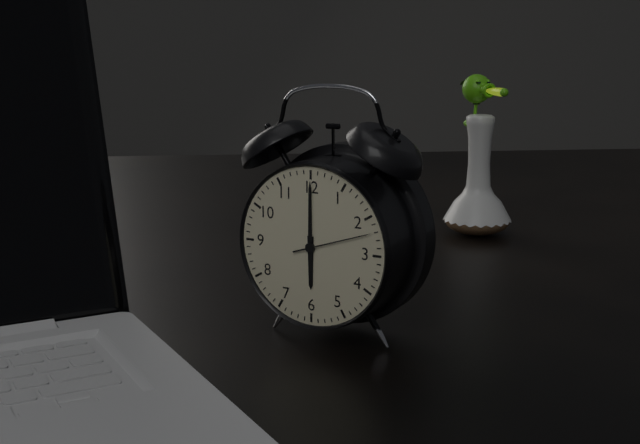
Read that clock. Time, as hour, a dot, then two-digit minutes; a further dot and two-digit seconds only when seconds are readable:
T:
6.00.12
